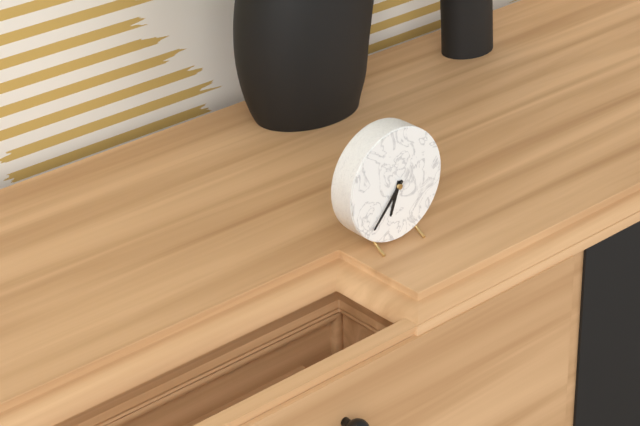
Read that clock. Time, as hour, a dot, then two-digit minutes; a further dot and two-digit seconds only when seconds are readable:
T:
6.37
